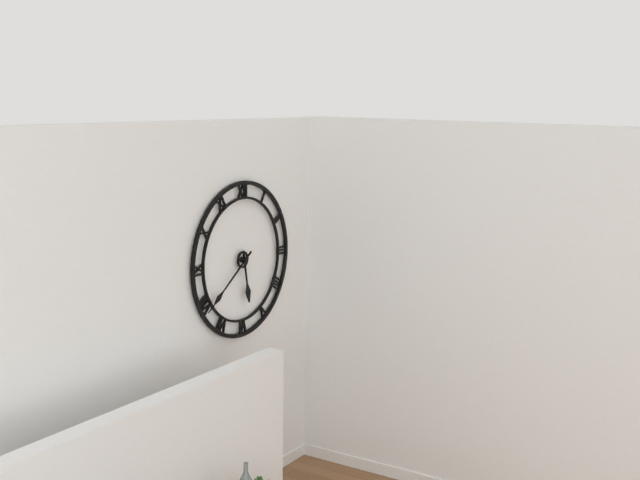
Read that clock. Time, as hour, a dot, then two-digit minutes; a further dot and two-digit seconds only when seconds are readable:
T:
5.39
